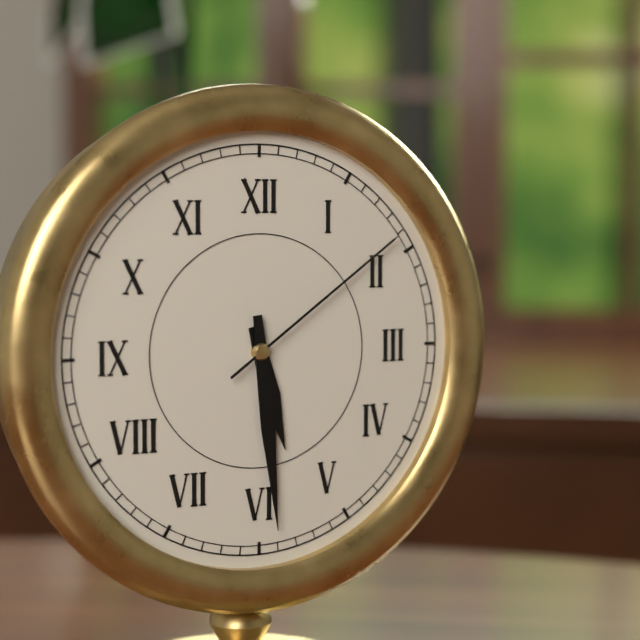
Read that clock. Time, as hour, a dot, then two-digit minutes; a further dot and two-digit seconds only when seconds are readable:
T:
5.29.09
